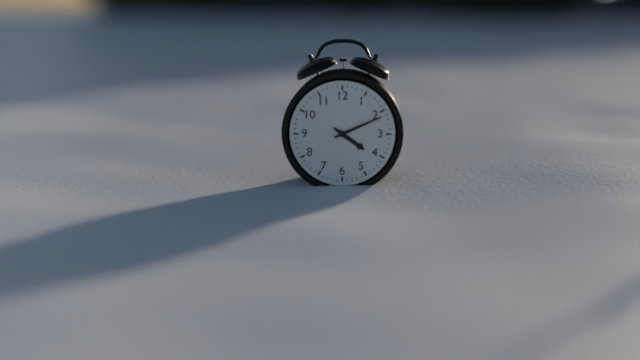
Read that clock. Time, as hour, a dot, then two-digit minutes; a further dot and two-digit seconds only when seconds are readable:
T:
4.11
